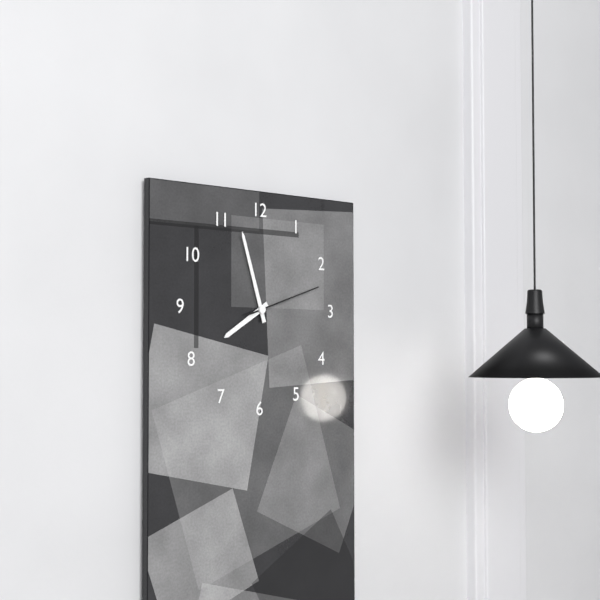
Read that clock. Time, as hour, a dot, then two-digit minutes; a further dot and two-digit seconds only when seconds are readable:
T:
7.57.12
